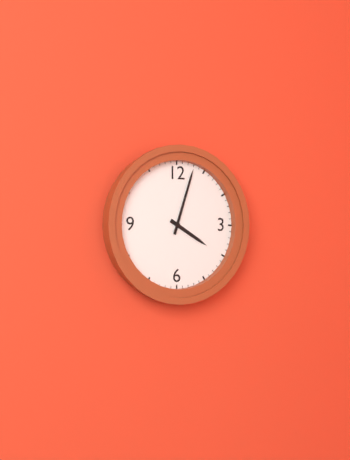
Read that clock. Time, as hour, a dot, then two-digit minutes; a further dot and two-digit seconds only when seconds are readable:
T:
4.03
